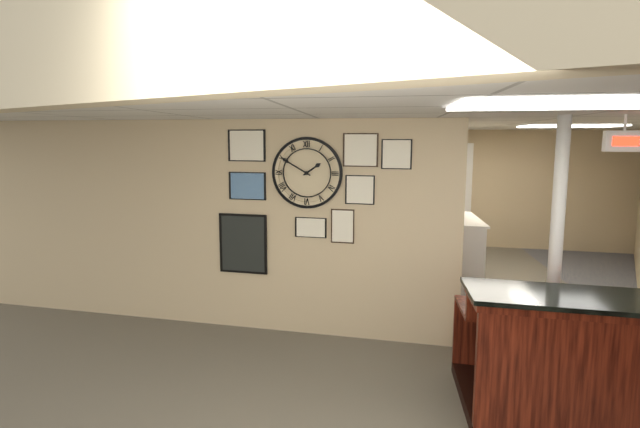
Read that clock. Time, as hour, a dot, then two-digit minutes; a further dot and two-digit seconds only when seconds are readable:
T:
1.50
